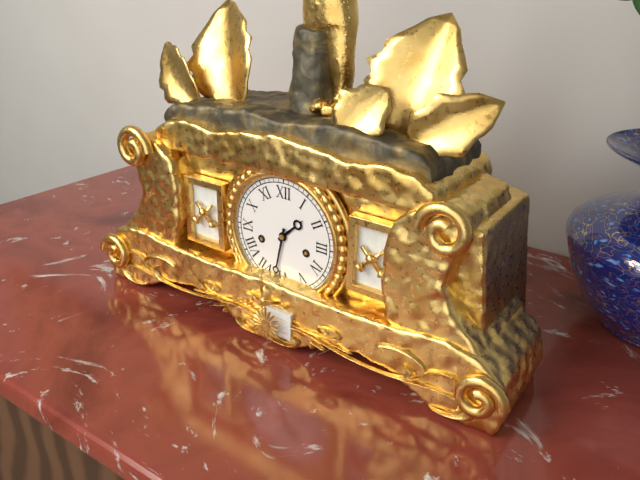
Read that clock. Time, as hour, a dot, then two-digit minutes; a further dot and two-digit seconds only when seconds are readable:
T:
1.32
